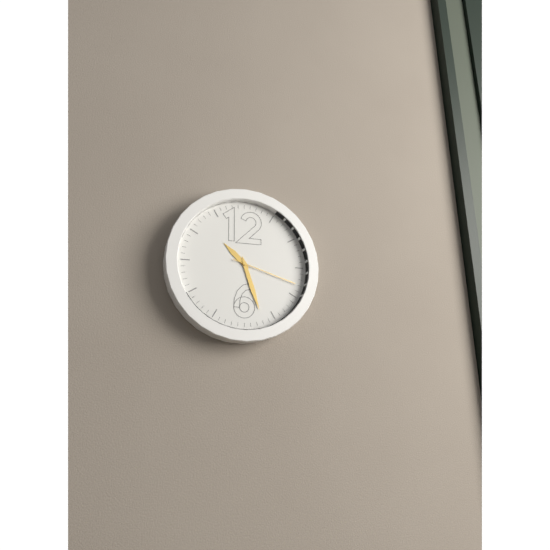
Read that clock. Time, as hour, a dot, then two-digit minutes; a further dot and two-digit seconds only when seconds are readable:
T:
10.27.18
